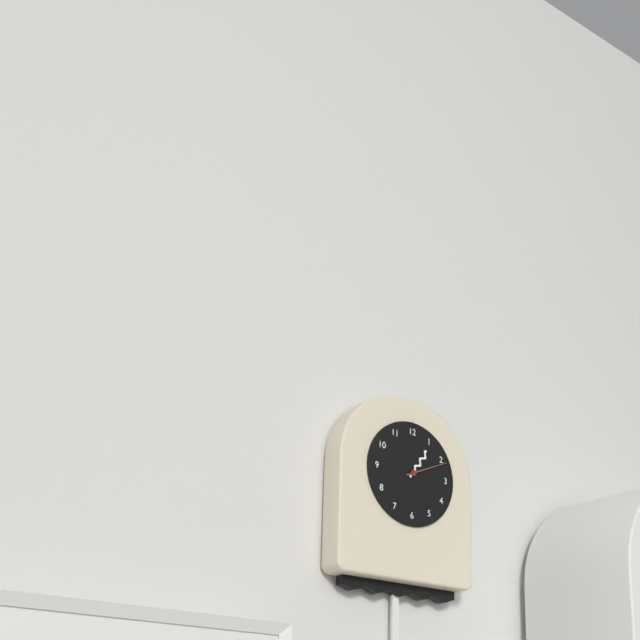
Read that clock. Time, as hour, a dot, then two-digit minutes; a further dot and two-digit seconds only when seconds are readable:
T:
1.11
